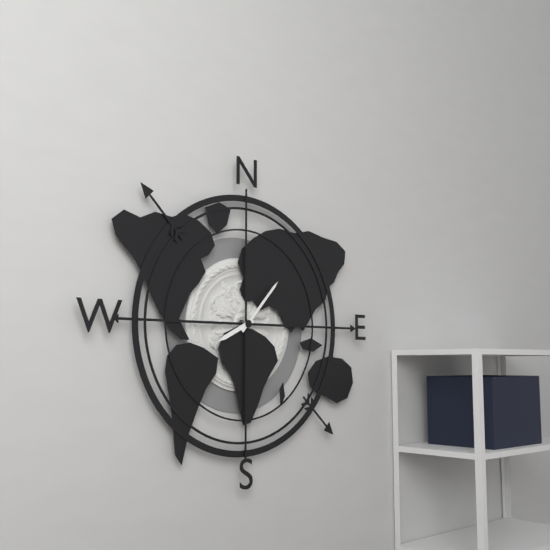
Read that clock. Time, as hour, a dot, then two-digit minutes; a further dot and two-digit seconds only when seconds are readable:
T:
8.07
